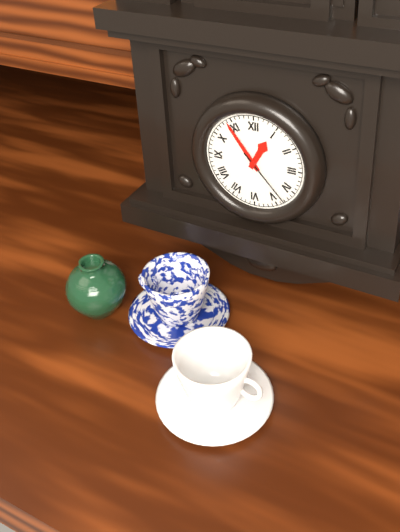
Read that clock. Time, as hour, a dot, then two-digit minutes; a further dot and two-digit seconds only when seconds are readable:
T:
12.54.23
